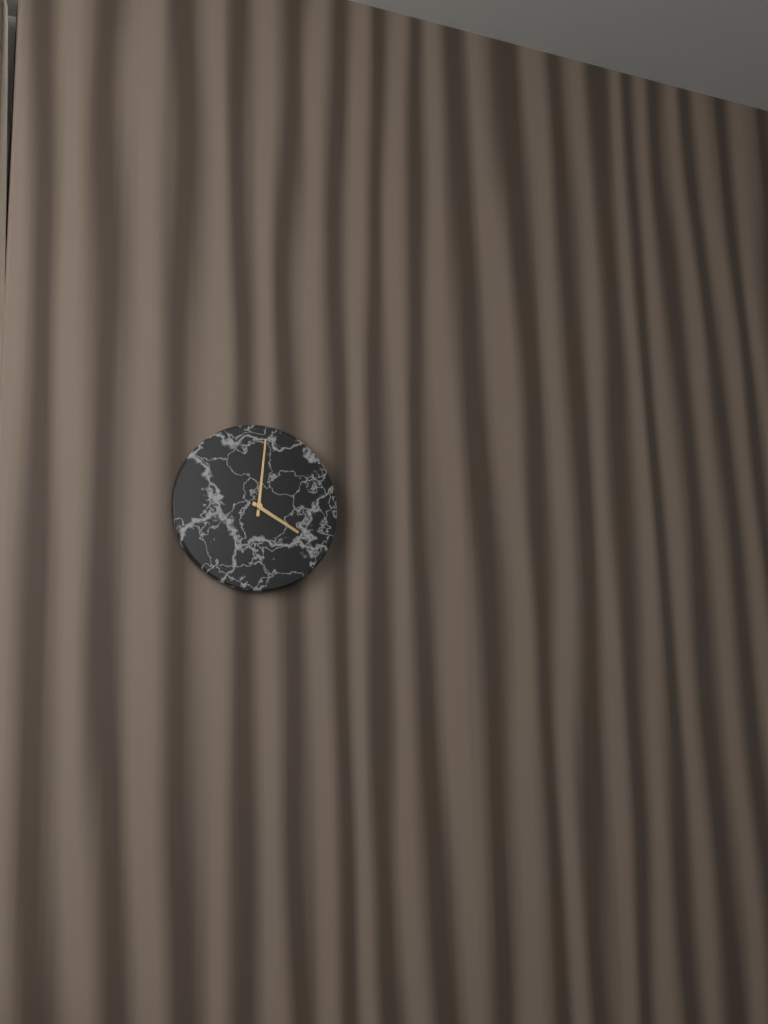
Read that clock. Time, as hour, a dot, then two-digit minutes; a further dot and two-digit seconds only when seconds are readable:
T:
4.01
